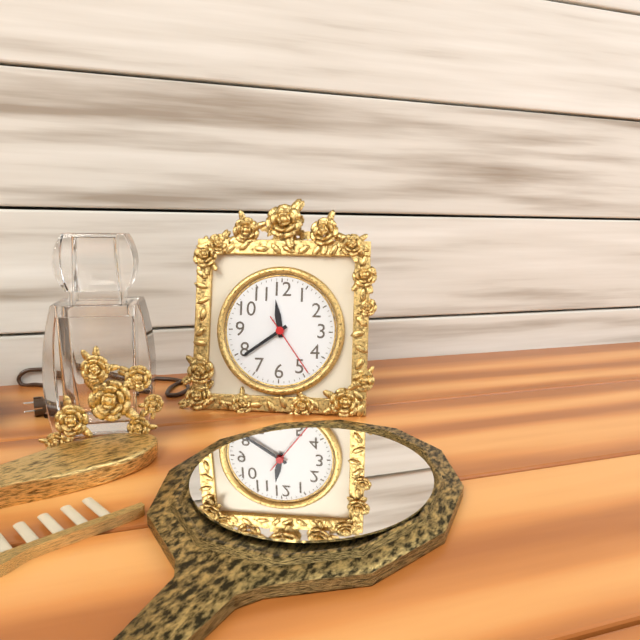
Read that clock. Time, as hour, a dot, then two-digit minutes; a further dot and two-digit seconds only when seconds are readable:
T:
11.39.24
